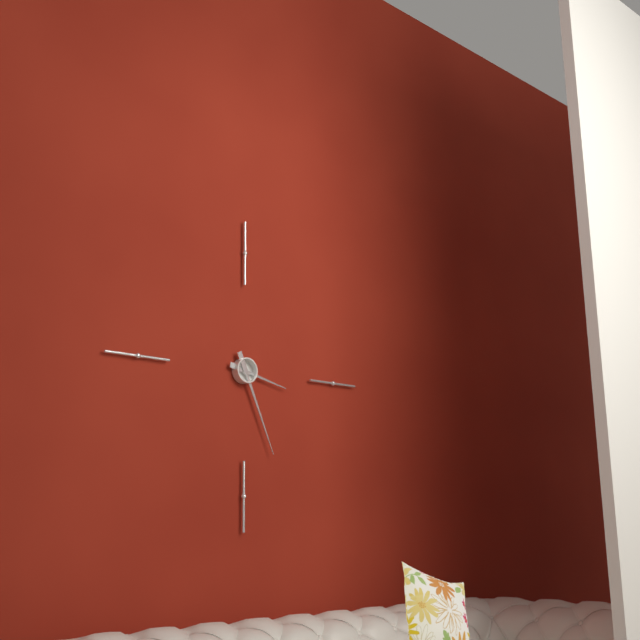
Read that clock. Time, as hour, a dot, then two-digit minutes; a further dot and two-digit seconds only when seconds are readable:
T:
3.26
